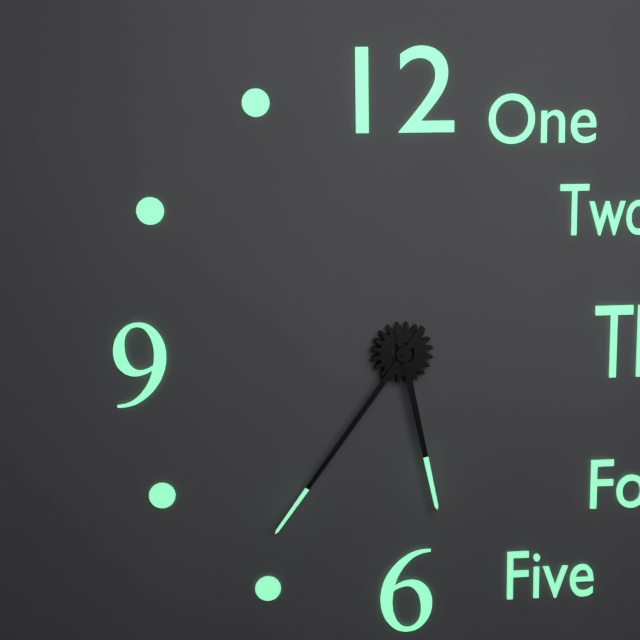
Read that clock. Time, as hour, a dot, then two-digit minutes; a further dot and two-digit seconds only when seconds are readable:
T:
5.36
